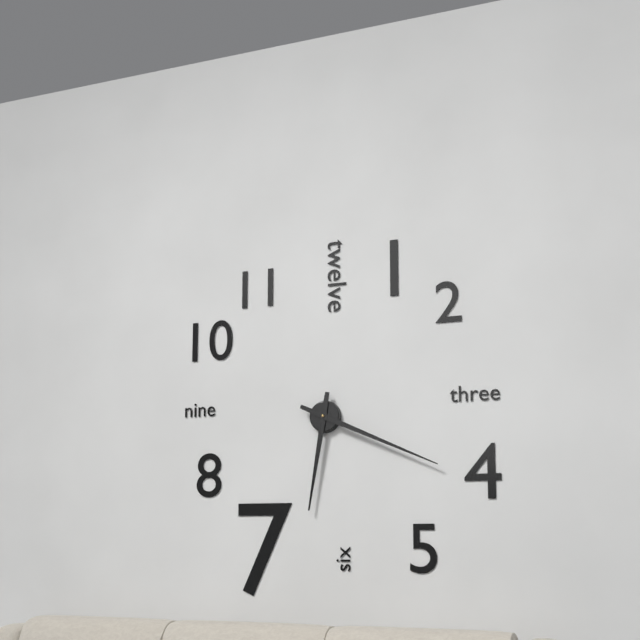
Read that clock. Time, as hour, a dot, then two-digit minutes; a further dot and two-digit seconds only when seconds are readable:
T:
6.19
